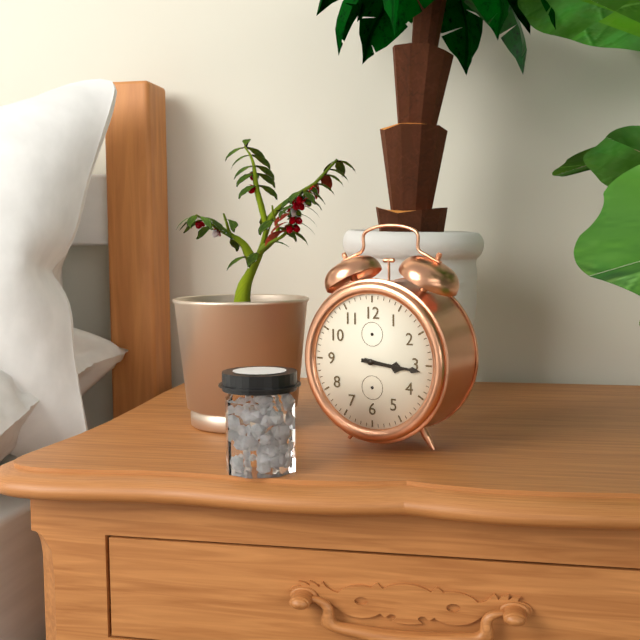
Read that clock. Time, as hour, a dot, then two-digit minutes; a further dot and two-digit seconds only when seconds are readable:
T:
3.16
